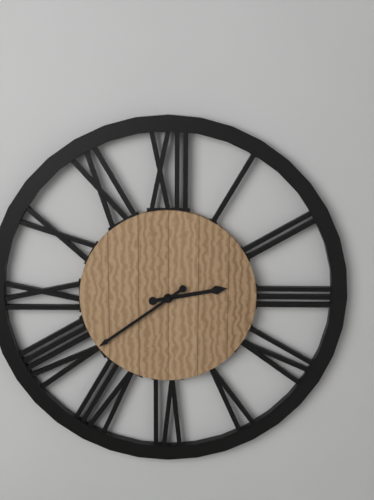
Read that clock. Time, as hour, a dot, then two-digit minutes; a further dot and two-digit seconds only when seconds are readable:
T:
2.39
